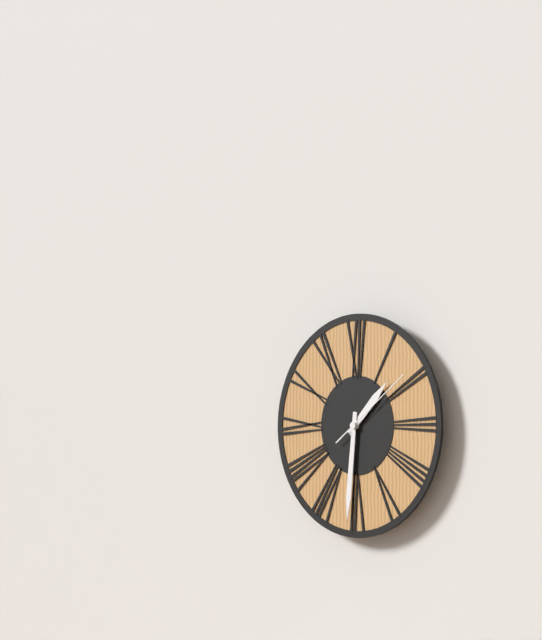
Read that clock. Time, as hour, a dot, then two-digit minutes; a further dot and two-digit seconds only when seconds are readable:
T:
1.31.09
